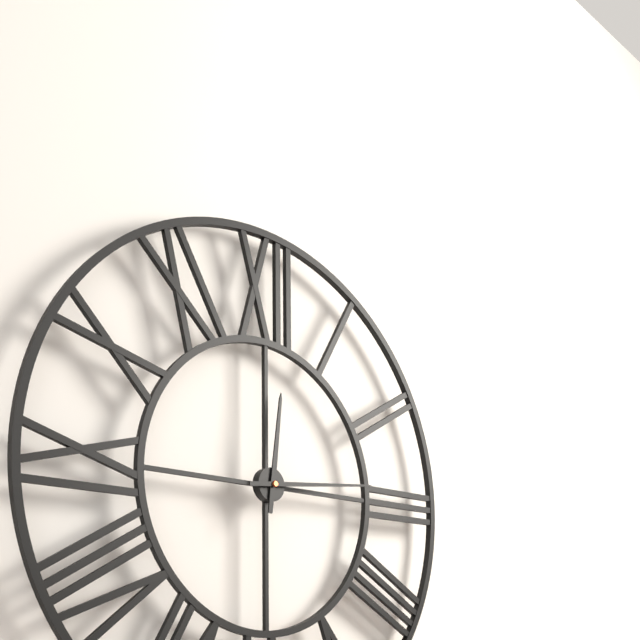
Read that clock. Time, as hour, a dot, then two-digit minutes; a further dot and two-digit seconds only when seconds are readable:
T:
12.14
